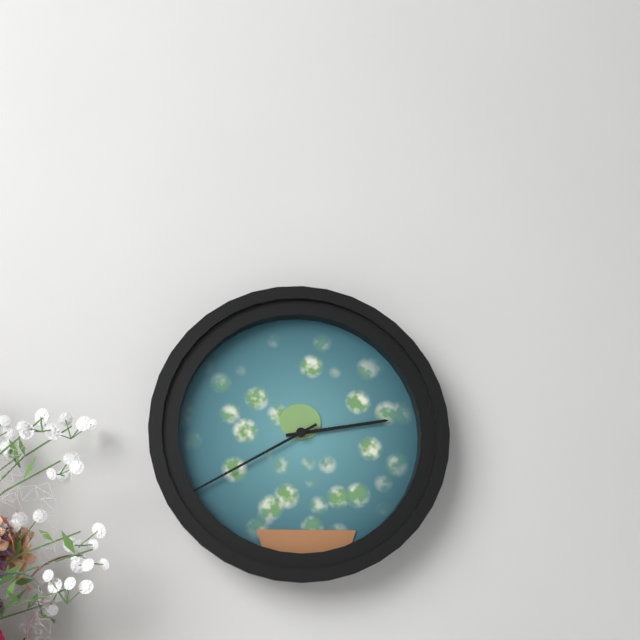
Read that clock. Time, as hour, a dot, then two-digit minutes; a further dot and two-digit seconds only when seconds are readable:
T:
2.40
